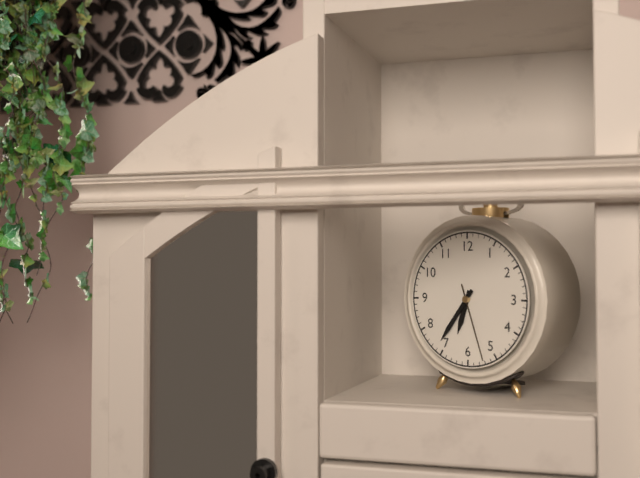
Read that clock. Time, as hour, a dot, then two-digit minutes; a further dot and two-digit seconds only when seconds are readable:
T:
6.36.27
